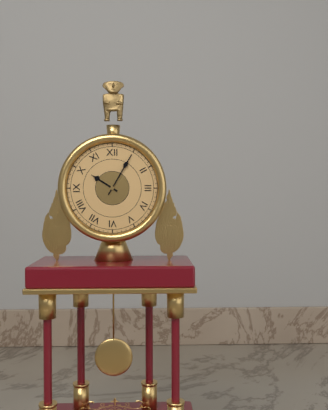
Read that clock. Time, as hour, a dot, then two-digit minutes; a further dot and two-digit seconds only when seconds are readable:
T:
10.05
